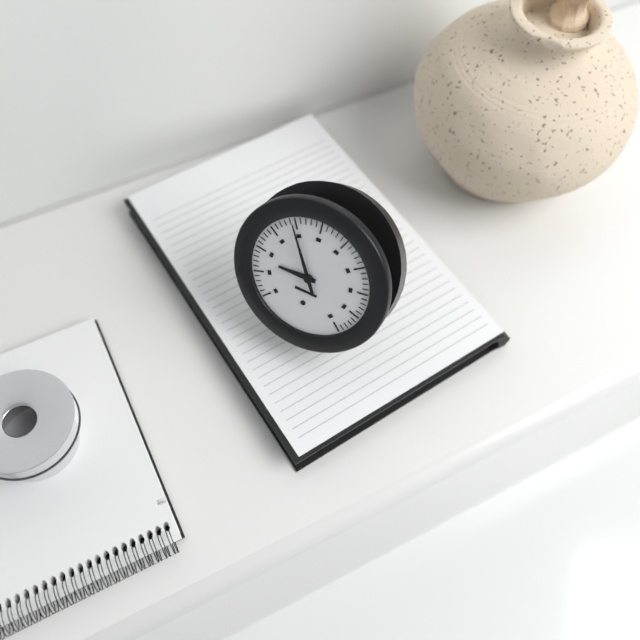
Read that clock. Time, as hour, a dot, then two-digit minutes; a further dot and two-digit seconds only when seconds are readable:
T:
8.55
